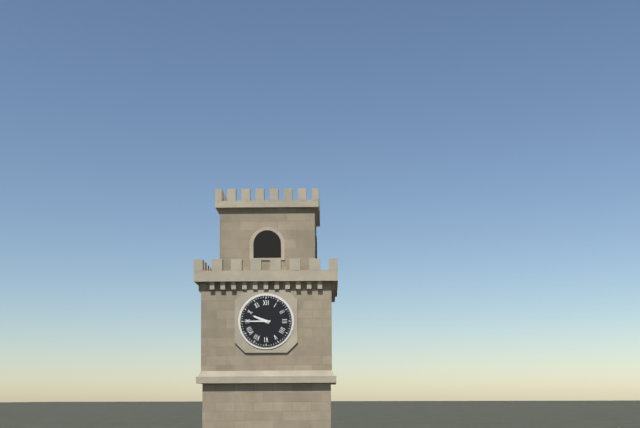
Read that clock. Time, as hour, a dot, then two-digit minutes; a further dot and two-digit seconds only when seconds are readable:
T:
9.45
